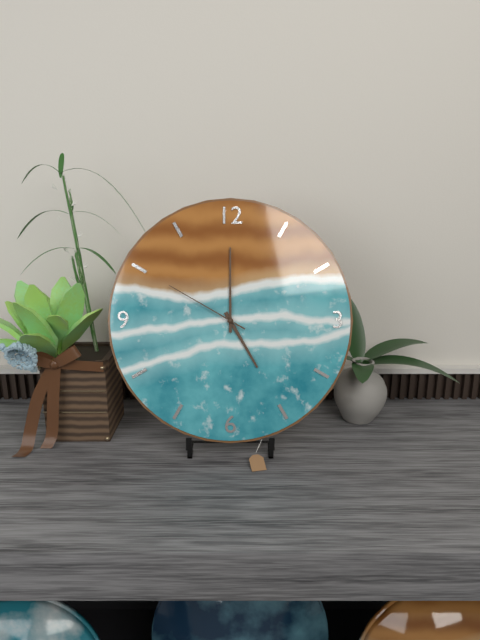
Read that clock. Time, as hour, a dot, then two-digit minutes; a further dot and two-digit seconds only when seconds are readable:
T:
5.00.50
